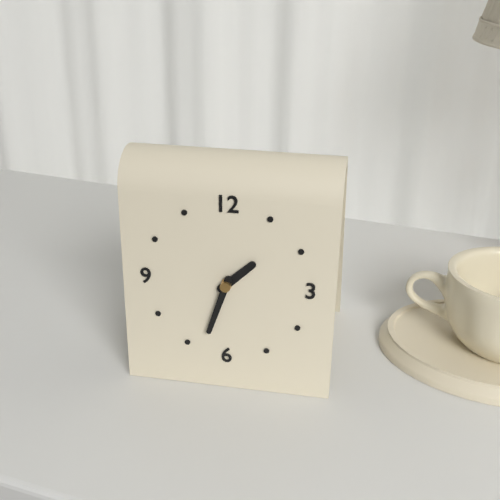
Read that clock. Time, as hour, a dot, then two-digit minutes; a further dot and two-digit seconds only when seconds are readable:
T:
1.33
